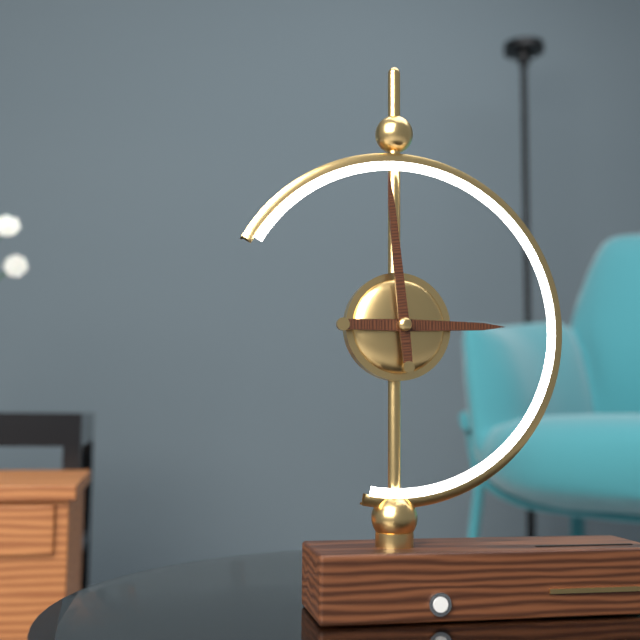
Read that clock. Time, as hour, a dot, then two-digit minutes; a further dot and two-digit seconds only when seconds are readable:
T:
2.59
